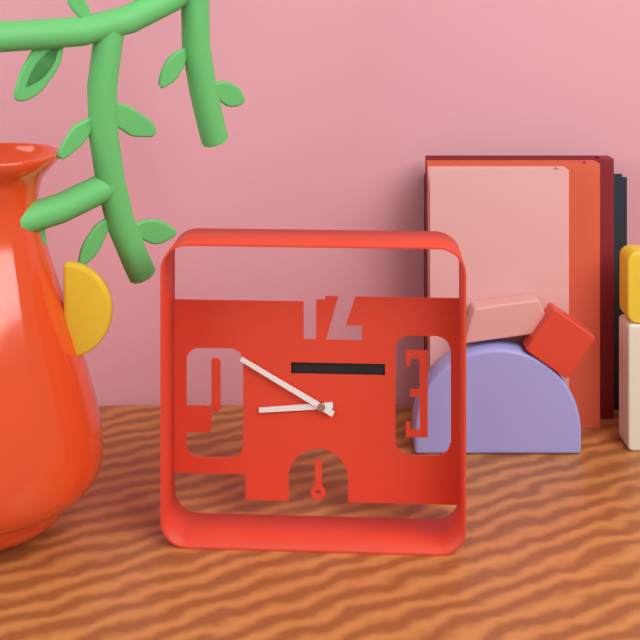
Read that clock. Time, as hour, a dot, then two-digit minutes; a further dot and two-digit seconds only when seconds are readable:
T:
8.50
